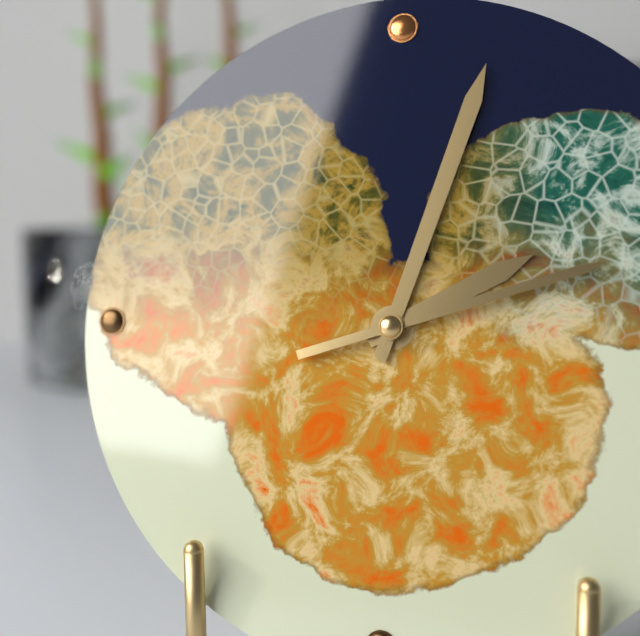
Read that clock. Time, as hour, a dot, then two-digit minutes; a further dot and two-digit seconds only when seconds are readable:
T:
2.03.12
